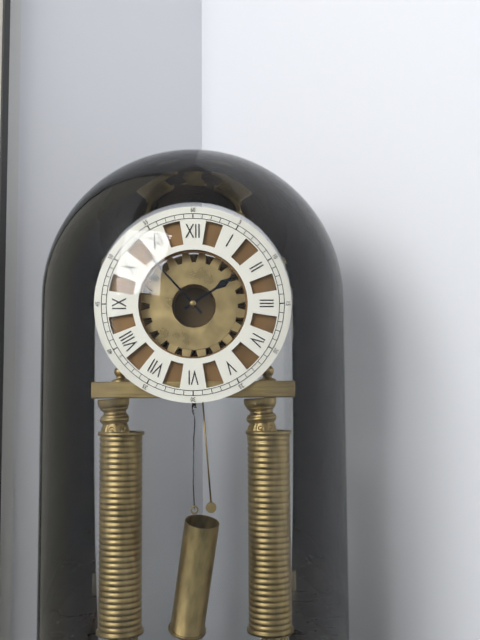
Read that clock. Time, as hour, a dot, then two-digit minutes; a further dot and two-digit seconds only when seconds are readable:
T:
1.53
